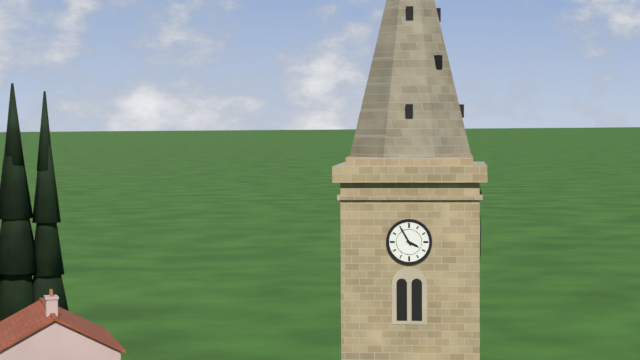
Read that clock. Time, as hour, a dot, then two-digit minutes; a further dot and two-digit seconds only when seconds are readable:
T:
3.55
